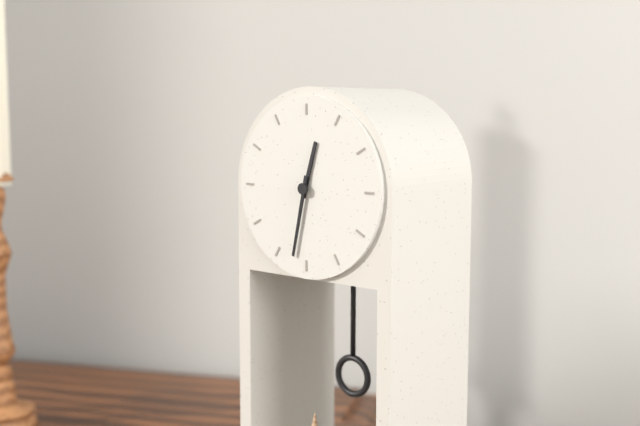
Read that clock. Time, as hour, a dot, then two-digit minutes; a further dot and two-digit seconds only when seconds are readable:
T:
12.32
